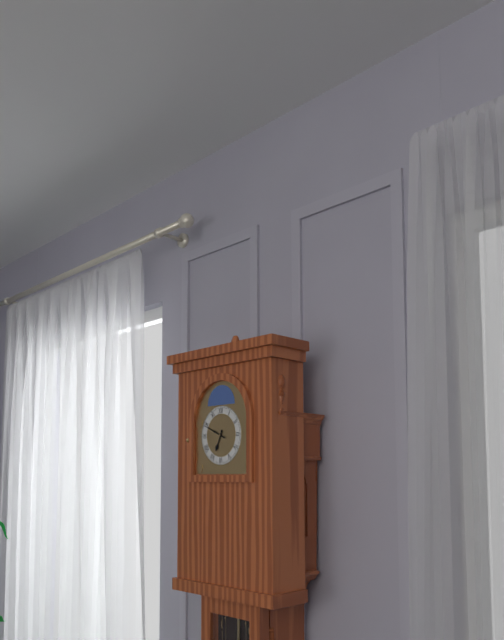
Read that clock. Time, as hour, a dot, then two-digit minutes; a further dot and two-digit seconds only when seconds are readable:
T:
6.49
